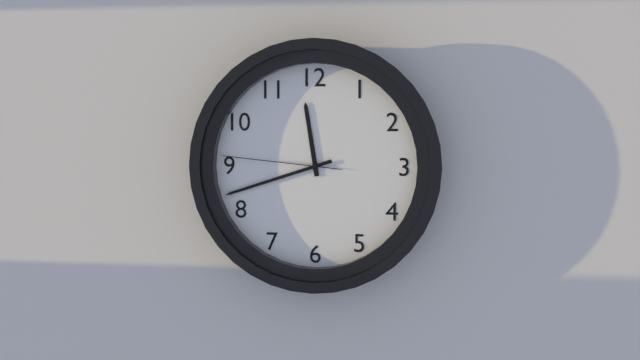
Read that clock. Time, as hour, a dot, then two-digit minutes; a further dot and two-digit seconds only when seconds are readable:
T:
11.42.46
